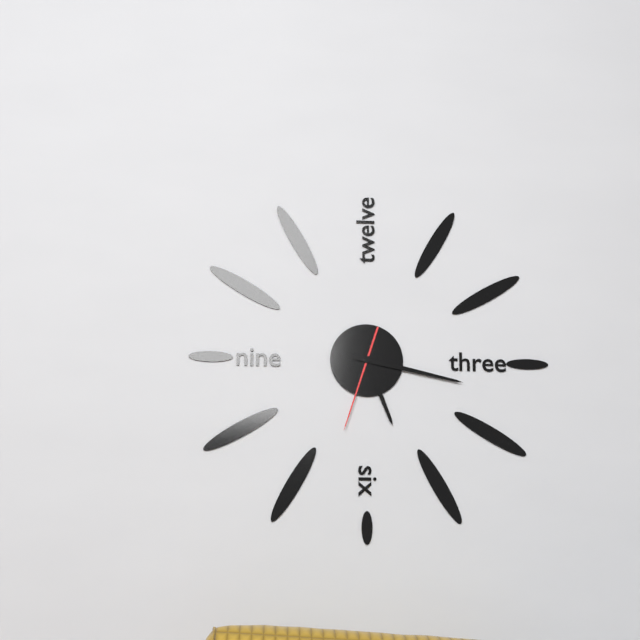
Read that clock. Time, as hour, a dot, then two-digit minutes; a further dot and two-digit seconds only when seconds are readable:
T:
5.17.33
